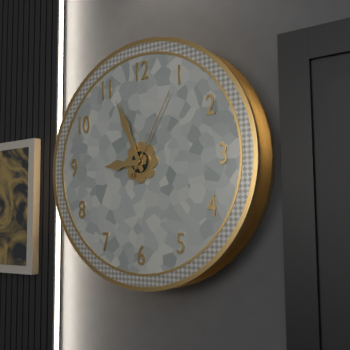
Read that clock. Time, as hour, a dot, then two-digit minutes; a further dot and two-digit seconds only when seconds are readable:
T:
8.56.05
